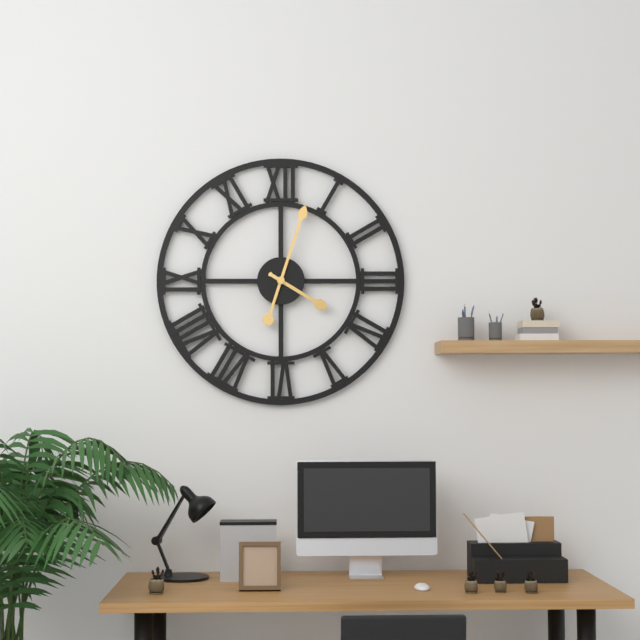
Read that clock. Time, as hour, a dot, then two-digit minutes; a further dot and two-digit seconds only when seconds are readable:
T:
4.03
